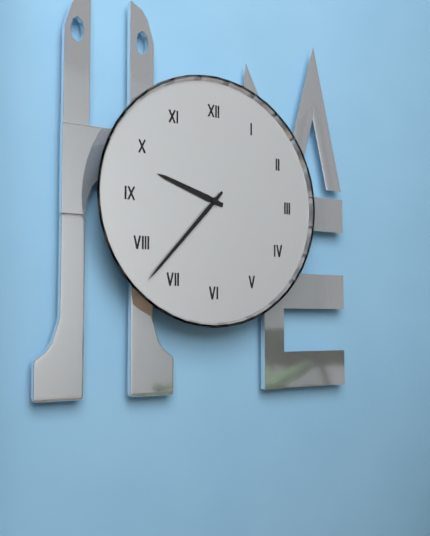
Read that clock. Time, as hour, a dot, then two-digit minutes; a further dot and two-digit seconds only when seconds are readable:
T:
9.37
